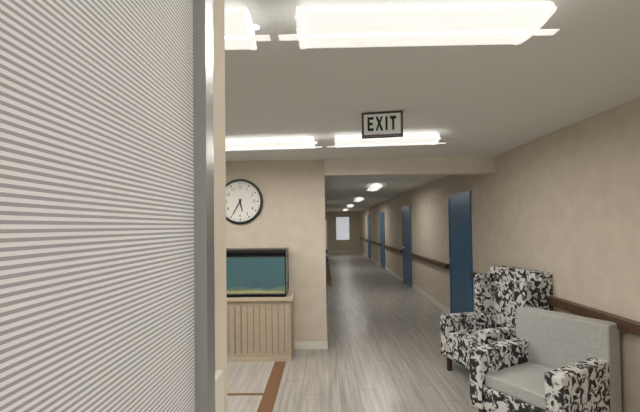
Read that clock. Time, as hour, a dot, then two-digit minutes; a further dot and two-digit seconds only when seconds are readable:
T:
5.35
